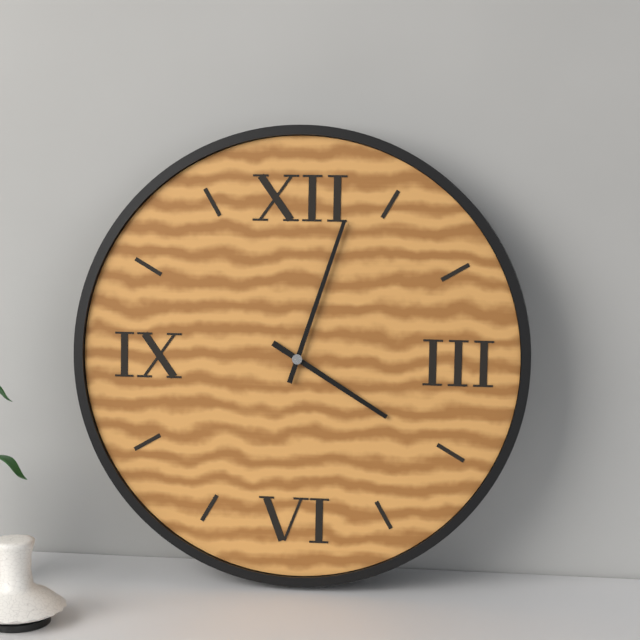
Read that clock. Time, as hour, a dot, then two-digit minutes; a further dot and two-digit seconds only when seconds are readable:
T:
4.03
